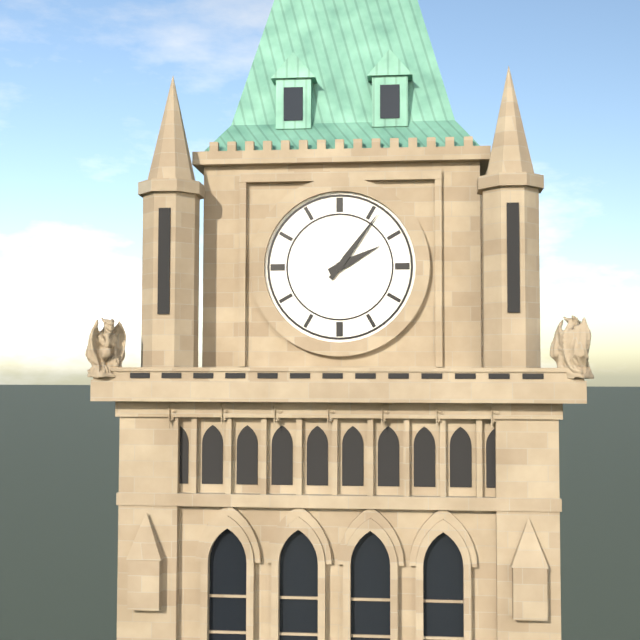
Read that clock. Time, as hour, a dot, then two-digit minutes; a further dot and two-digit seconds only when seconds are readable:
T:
2.06
